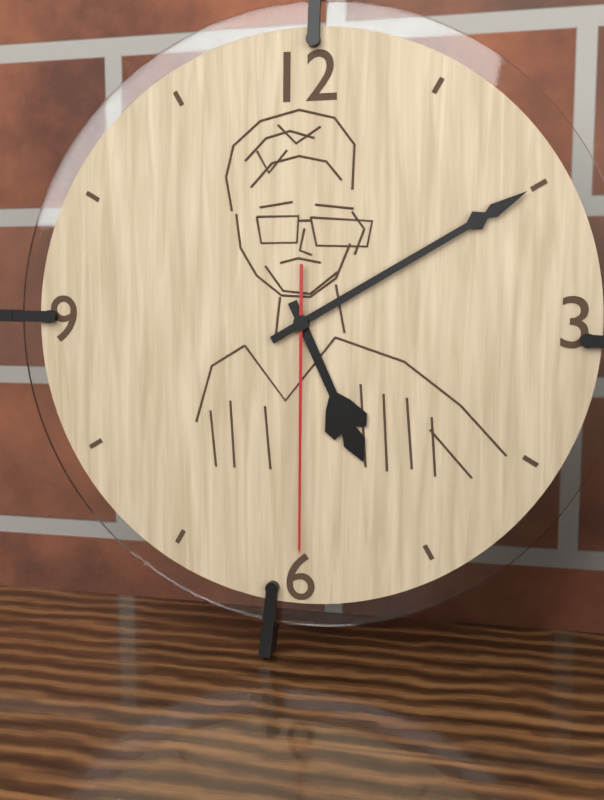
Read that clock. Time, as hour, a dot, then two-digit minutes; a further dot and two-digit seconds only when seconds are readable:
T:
5.10.30
